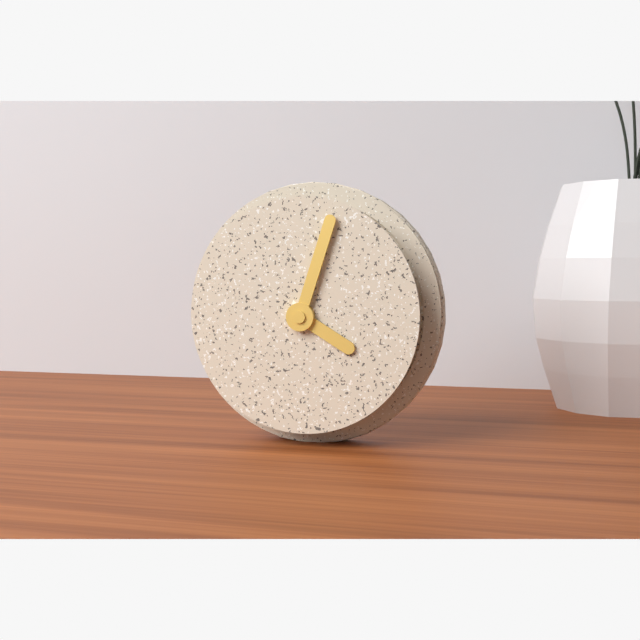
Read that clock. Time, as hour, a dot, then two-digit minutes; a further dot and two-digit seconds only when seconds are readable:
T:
4.03
